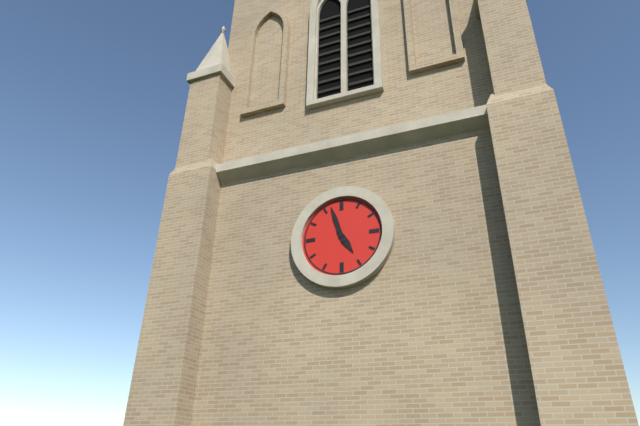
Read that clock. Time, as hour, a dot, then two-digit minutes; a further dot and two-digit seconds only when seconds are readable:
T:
4.57
